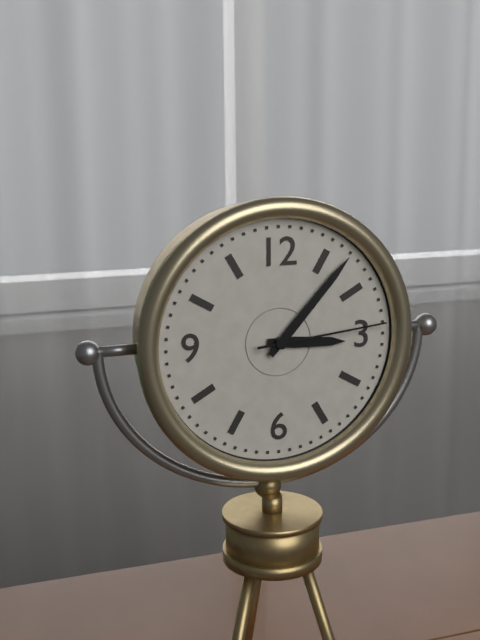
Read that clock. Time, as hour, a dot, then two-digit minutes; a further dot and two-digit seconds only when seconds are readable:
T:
3.07.14
